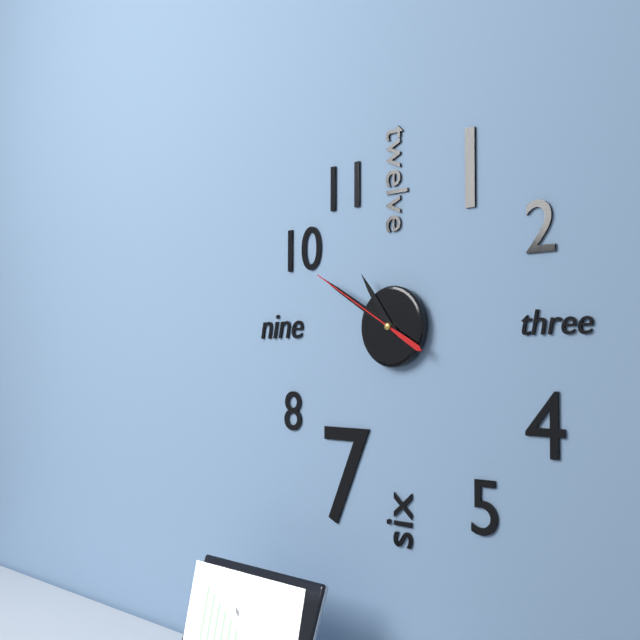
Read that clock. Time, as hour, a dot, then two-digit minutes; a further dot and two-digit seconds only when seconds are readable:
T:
10.50.50
